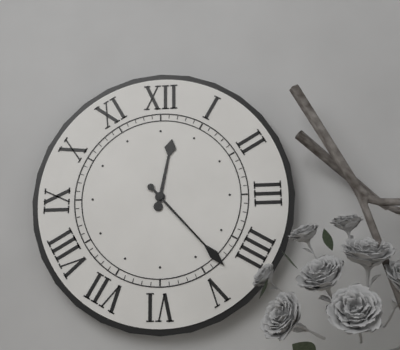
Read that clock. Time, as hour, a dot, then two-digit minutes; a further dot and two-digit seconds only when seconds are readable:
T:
12.23
